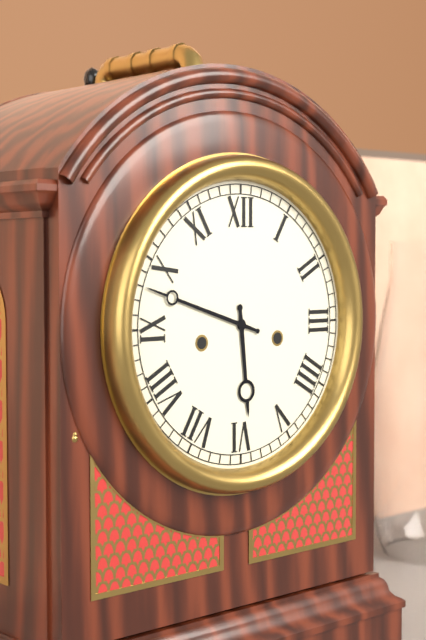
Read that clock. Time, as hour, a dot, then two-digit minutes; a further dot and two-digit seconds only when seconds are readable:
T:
5.48
